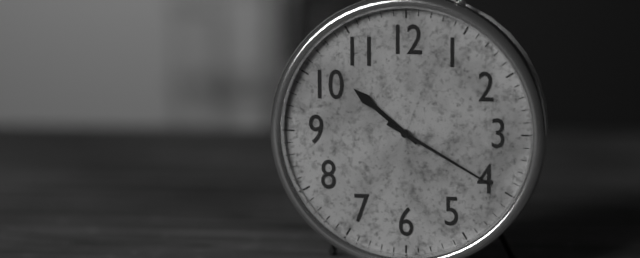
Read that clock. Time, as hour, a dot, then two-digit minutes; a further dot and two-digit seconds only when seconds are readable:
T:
10.20
